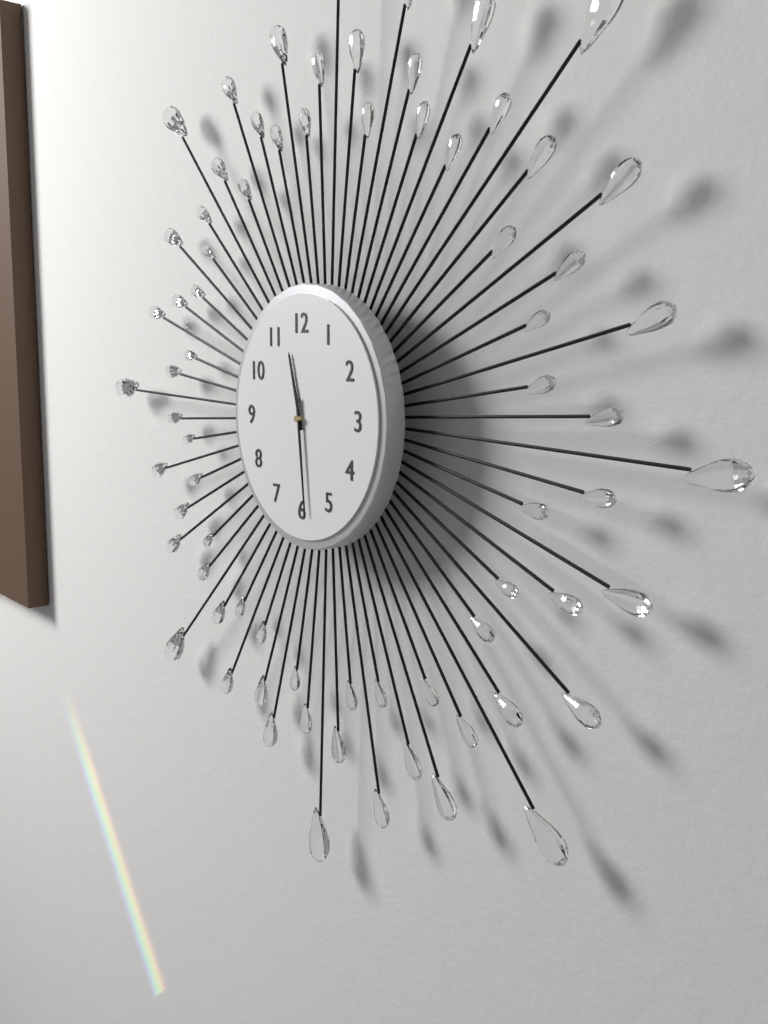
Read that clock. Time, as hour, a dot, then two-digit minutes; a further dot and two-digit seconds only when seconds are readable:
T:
11.29
